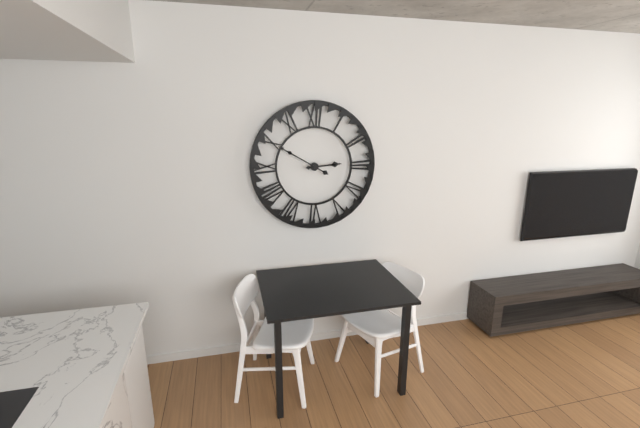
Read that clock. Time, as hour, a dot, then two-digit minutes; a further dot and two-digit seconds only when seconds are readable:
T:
2.50
